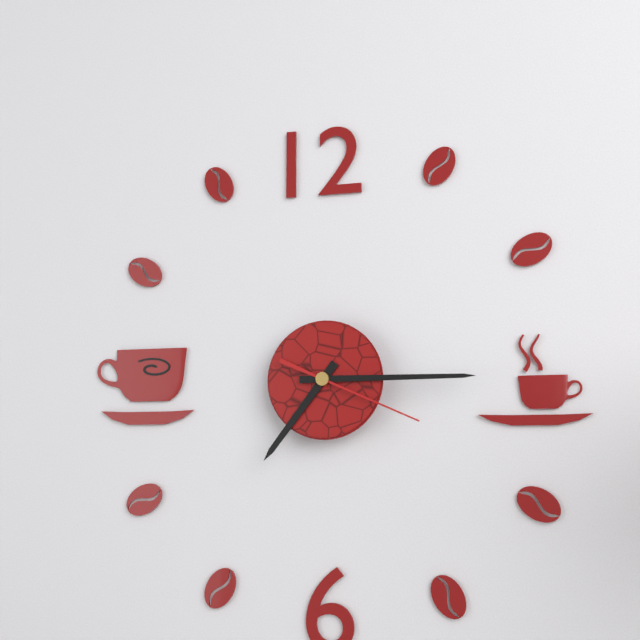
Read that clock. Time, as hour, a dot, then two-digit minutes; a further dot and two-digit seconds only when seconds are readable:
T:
7.15.19
